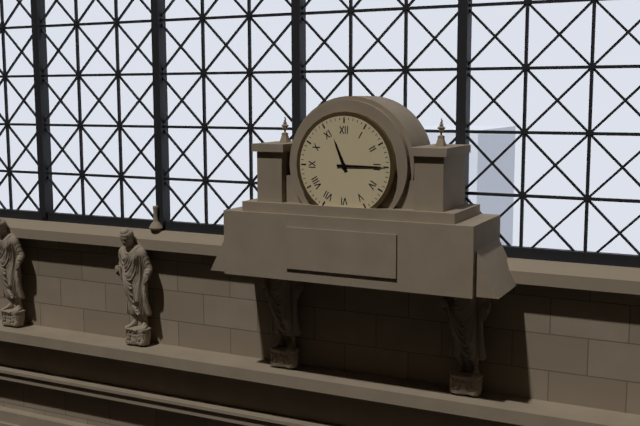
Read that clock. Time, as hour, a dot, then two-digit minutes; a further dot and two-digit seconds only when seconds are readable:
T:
11.15
